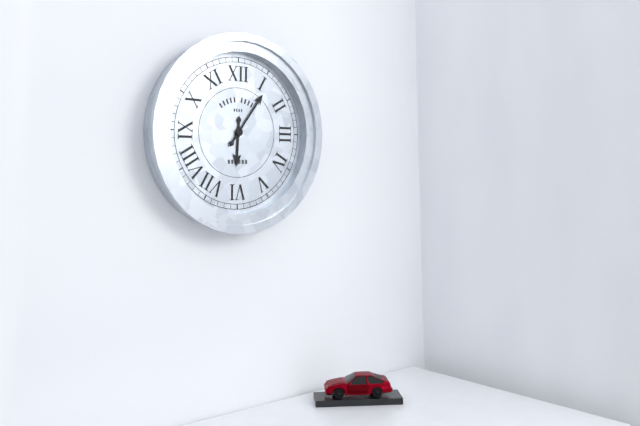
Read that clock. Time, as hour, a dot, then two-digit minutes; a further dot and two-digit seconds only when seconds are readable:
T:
6.06
